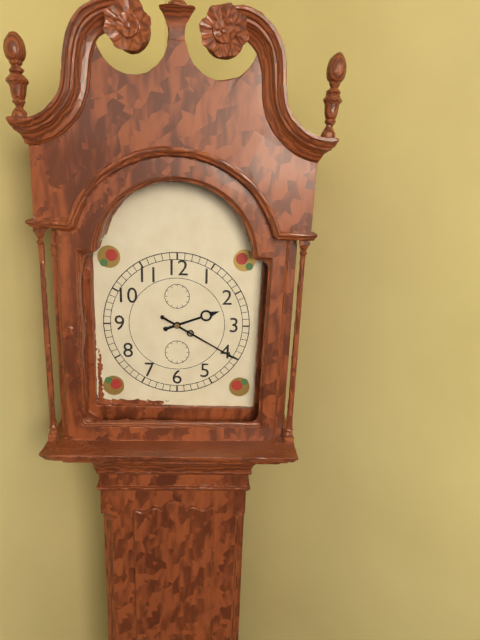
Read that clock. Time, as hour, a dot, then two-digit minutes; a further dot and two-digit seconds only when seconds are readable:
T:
2.20
